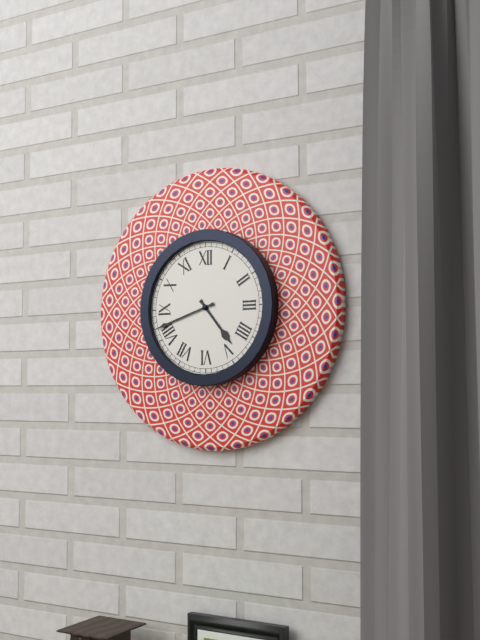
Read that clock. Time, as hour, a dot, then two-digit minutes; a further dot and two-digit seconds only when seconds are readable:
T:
4.42
